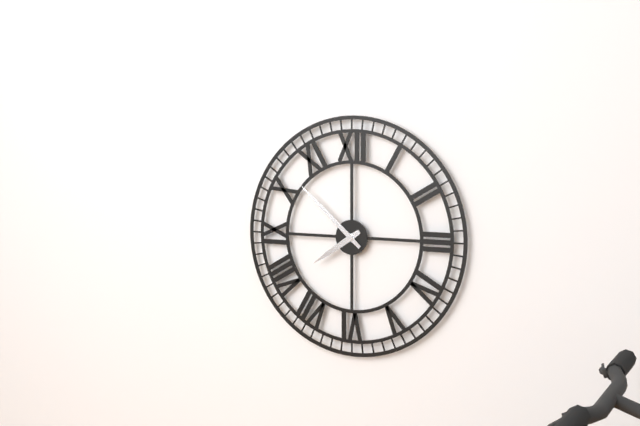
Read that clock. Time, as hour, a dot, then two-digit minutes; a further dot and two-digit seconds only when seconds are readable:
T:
7.52
